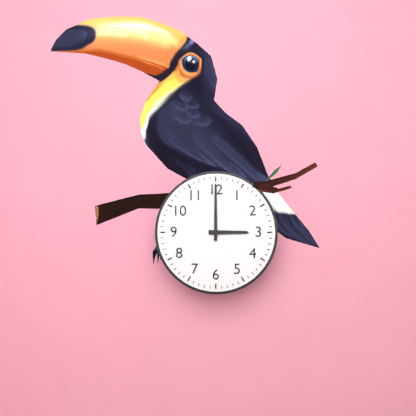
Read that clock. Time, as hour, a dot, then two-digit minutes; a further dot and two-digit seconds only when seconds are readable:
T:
3.00
